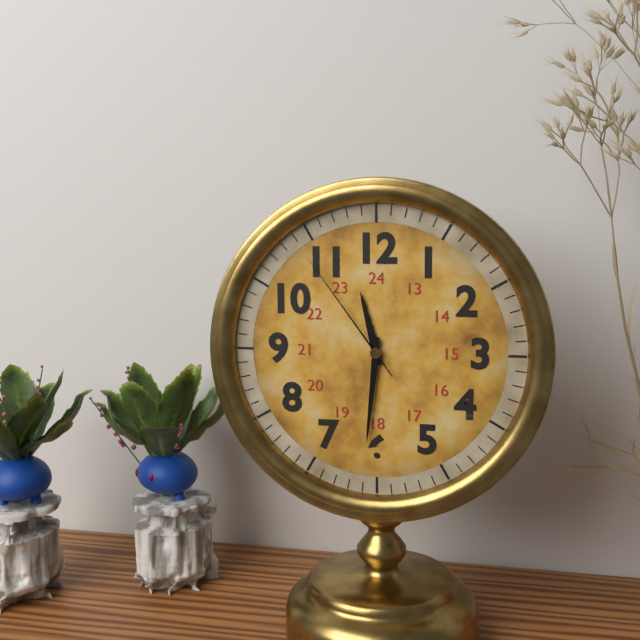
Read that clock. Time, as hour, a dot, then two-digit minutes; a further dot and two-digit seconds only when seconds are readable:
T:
11.31.54
